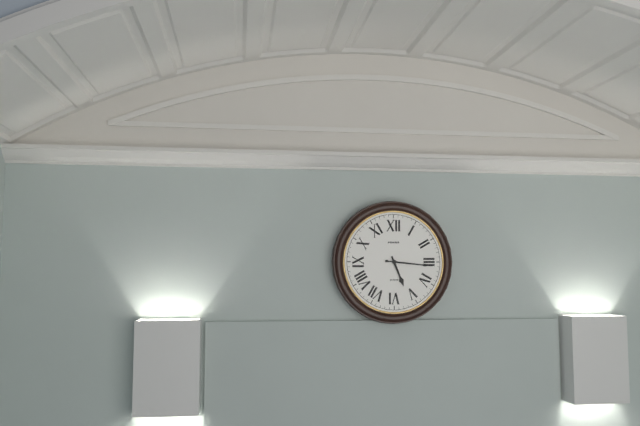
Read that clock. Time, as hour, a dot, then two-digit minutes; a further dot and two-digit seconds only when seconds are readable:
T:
5.16
